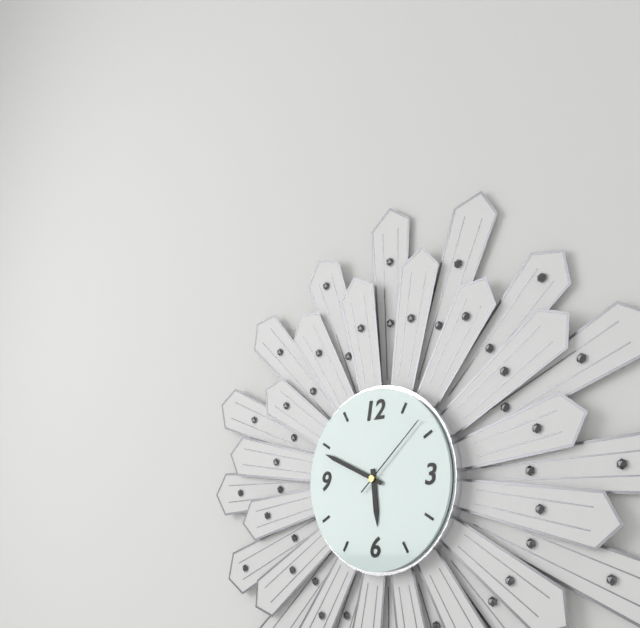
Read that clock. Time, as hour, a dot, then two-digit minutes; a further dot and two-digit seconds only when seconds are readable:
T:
5.49.08
